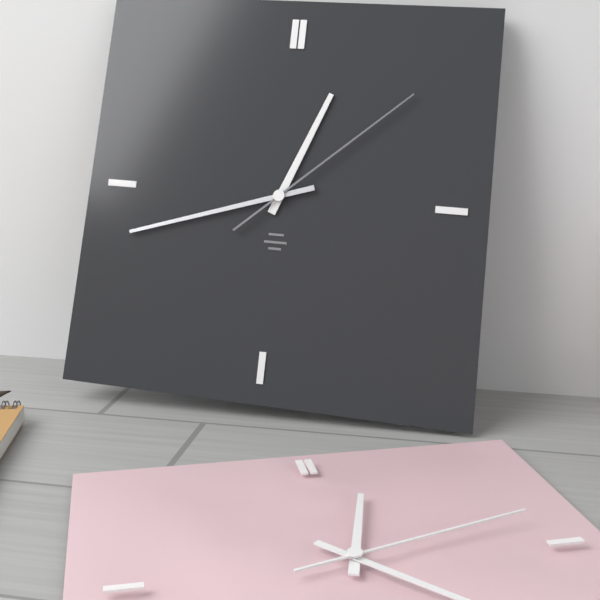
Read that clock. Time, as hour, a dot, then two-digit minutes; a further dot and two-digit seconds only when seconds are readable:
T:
12.42.08
